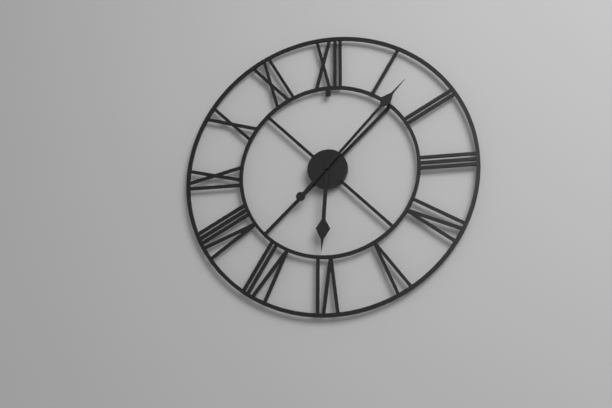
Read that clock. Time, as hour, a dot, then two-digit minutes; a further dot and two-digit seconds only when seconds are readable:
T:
6.07
